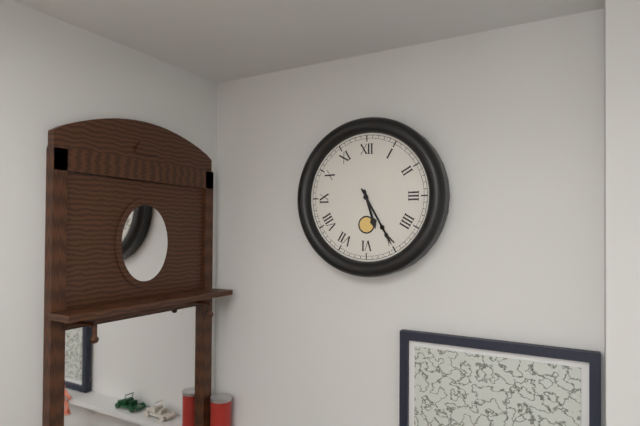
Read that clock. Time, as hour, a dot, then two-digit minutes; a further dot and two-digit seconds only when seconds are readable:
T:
5.25
